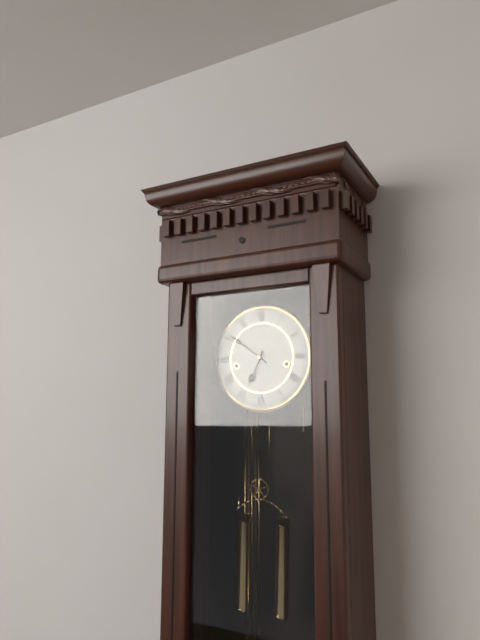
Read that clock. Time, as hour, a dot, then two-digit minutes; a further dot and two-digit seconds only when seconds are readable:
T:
6.51
